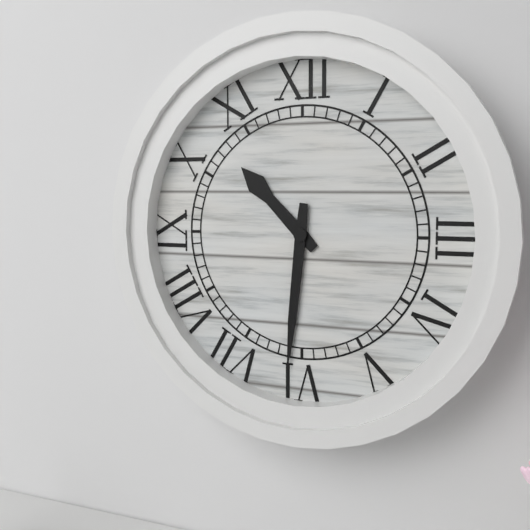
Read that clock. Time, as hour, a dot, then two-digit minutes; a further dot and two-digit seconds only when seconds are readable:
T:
10.31
